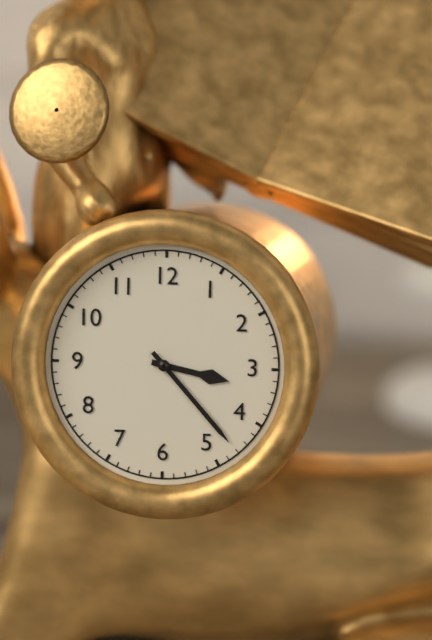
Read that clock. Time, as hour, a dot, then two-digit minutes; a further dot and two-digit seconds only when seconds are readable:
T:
3.23
